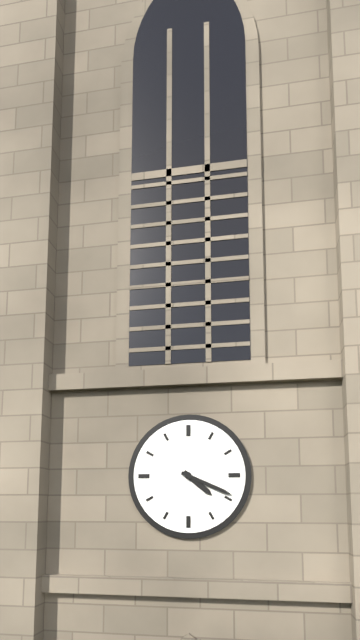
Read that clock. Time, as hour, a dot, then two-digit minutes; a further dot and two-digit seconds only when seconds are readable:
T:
4.19
